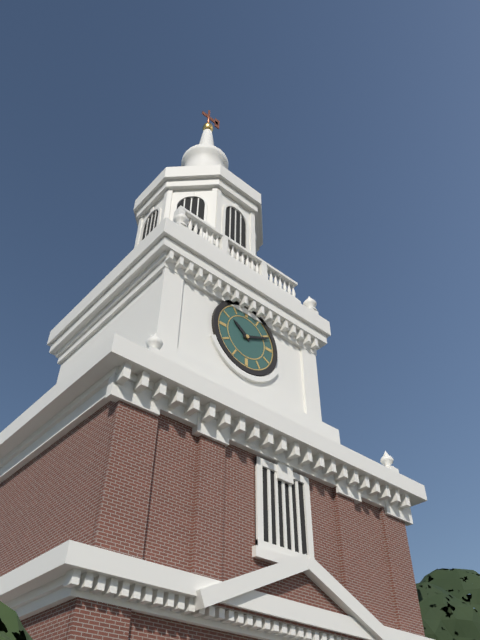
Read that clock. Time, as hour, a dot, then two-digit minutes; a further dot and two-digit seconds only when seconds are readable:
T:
10.11
